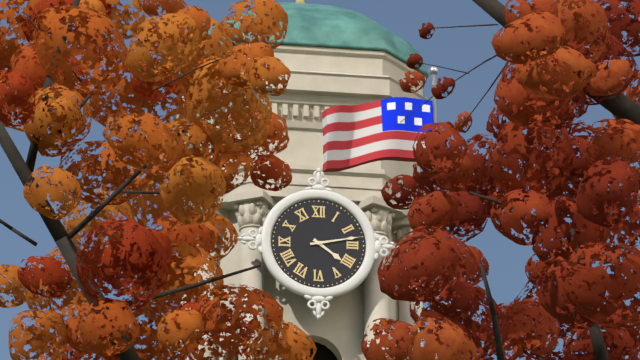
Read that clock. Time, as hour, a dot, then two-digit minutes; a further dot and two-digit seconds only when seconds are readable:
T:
4.13
